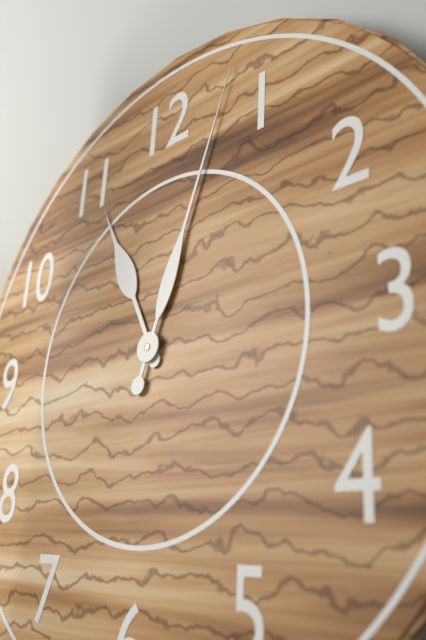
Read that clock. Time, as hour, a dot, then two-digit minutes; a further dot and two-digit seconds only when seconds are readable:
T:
11.03
